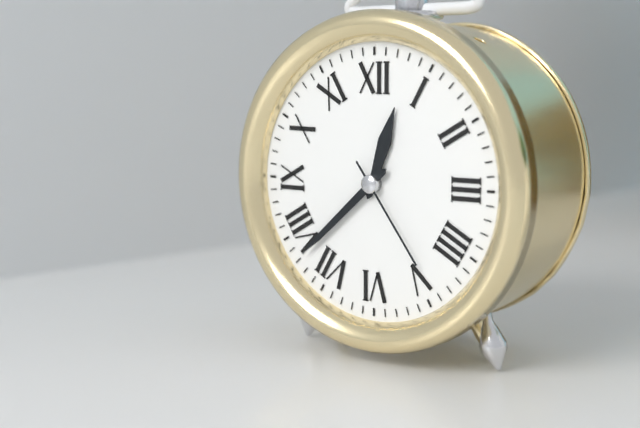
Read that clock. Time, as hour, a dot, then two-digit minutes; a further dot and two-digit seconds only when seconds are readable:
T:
12.38.24
